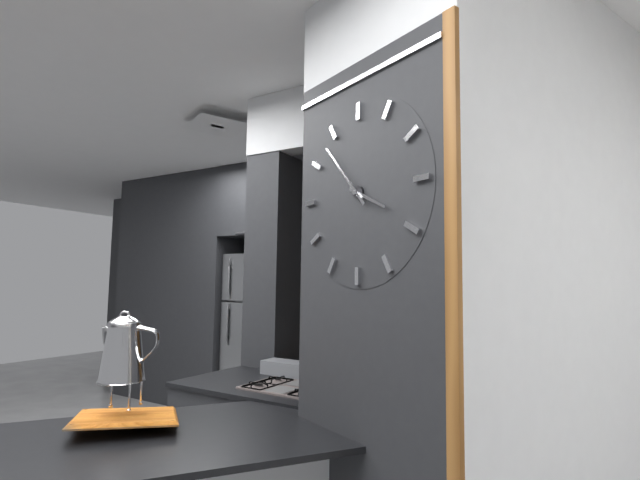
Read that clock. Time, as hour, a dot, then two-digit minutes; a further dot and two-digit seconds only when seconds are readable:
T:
3.53
